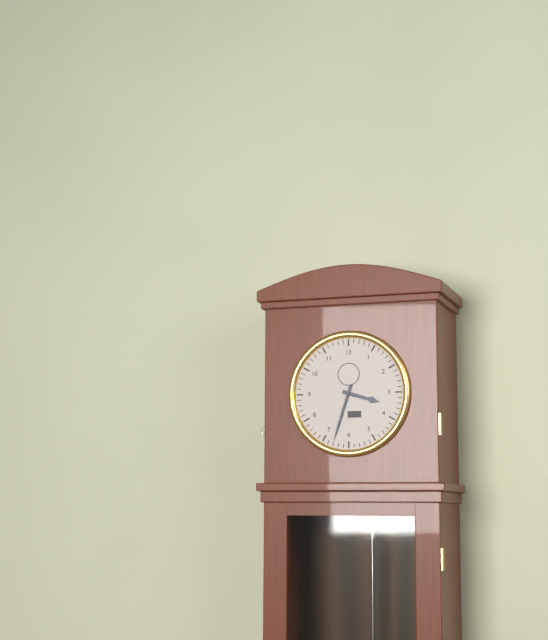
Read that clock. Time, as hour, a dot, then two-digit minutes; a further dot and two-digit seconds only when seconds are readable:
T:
3.33
